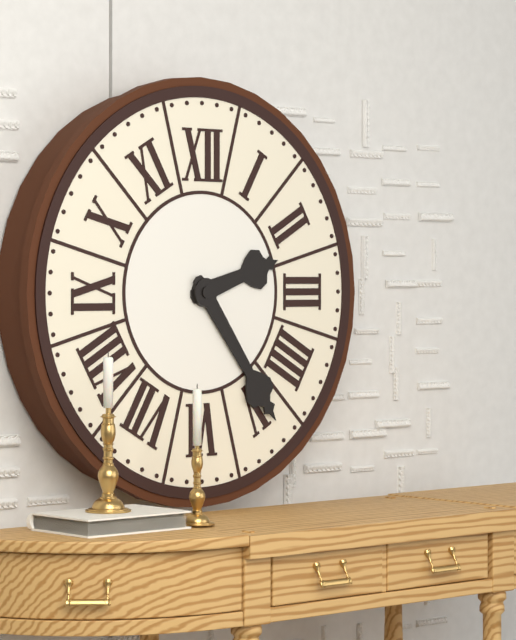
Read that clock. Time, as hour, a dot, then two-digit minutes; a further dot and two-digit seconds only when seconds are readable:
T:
2.24
